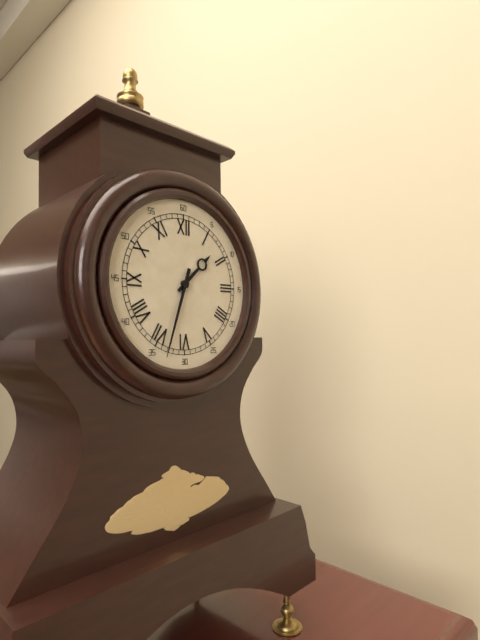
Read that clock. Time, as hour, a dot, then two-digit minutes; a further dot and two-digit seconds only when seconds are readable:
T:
1.33
